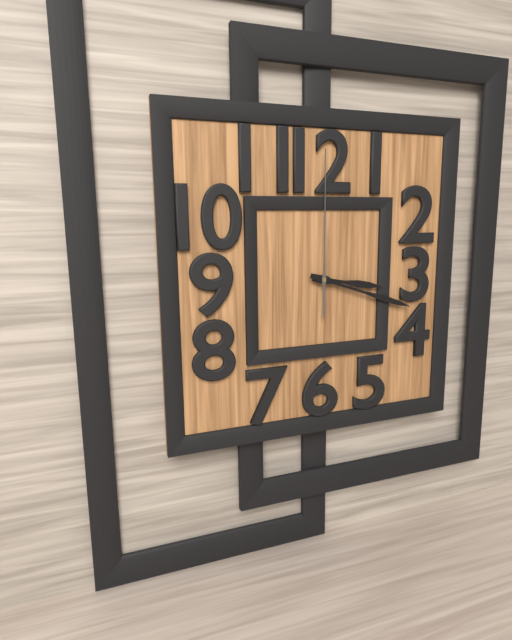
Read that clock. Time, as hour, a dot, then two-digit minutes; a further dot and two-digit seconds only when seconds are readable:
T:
3.18.00
